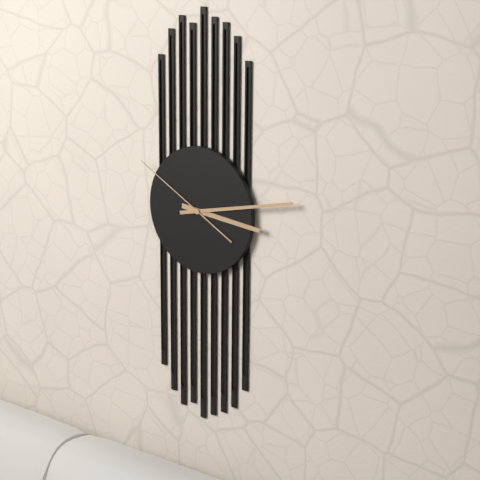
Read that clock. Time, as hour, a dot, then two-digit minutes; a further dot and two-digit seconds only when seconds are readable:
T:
3.13.50
